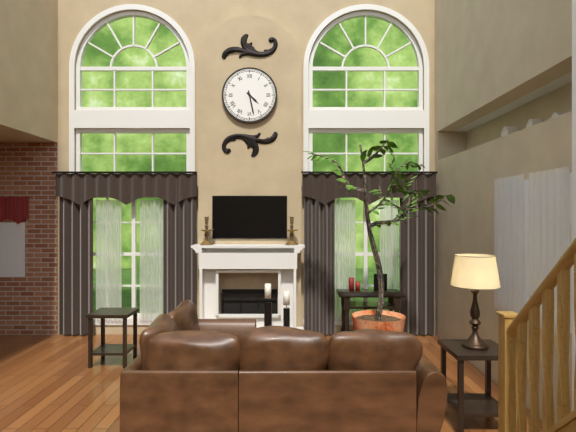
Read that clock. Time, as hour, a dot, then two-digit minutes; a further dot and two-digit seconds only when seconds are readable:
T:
4.28
